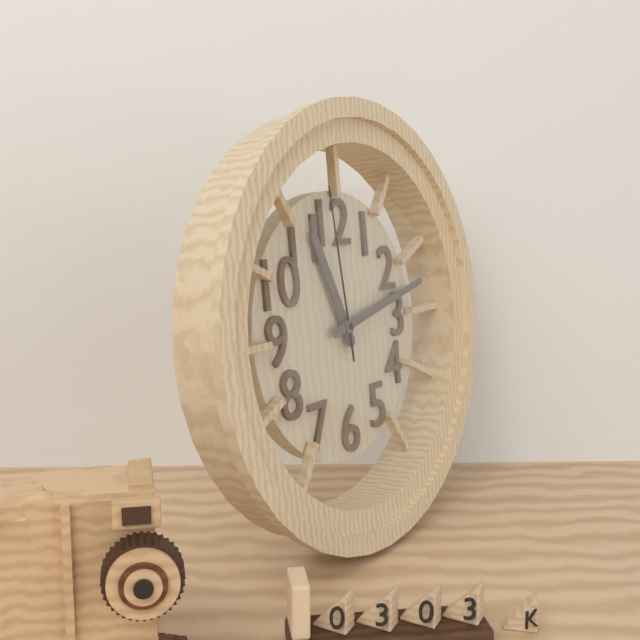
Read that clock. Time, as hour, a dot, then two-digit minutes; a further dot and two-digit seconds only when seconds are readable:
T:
11.13.59
